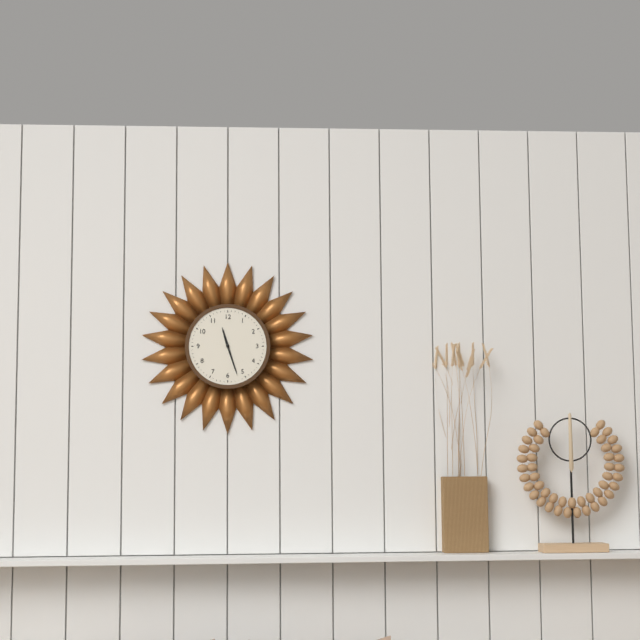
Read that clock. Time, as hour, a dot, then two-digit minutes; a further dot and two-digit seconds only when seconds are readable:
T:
11.27
